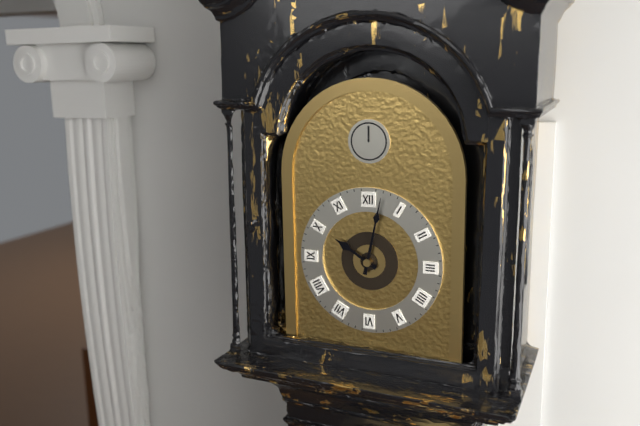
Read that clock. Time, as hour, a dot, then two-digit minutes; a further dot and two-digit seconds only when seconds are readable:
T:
10.02
